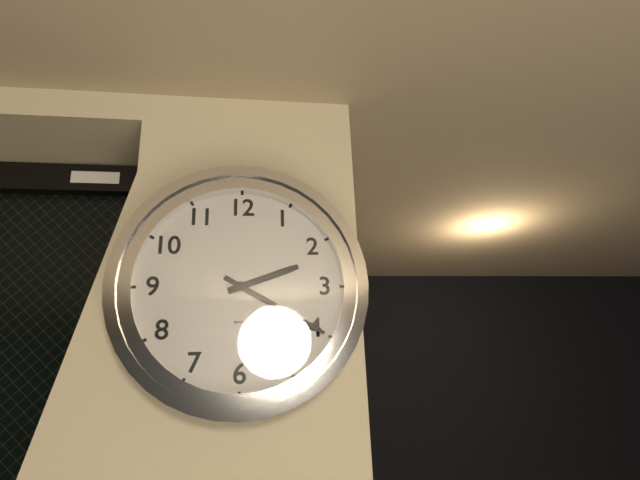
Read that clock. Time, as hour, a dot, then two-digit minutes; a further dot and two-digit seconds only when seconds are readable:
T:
2.20
